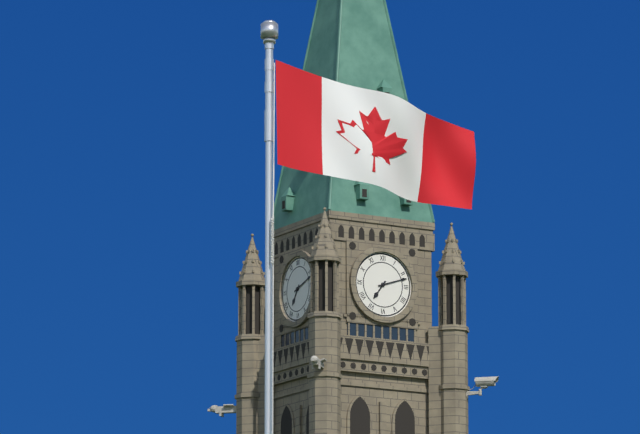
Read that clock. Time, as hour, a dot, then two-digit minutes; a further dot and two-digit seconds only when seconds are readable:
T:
7.12
